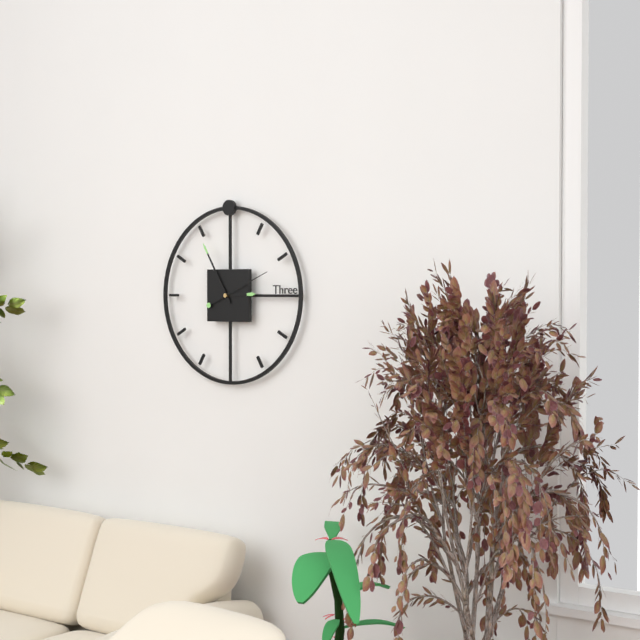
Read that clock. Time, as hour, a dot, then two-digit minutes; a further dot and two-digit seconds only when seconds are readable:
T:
2.55.11
